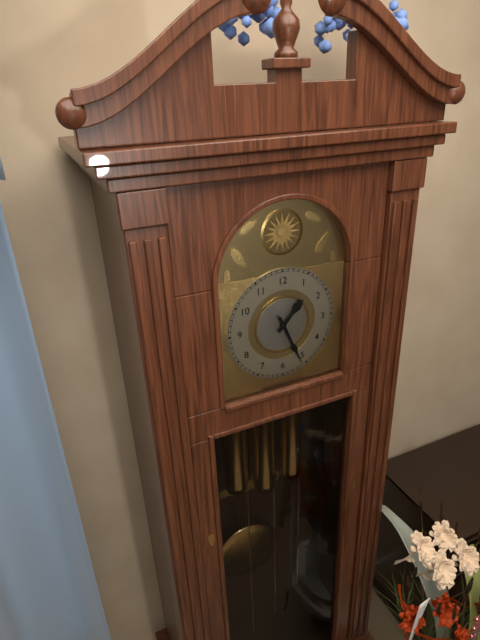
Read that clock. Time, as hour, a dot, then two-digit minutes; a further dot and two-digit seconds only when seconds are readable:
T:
1.26
